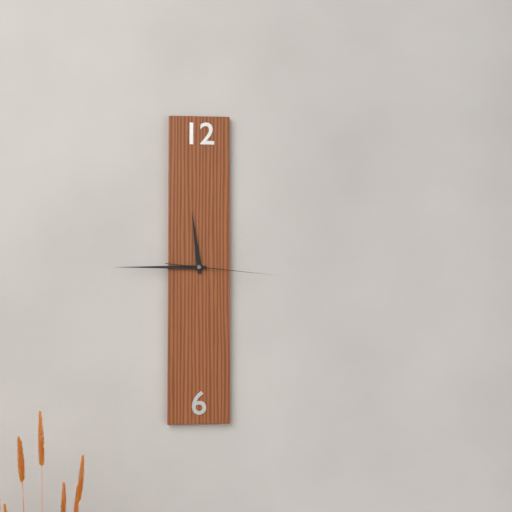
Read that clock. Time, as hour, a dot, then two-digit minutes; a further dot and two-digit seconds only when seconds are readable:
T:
11.45.16
